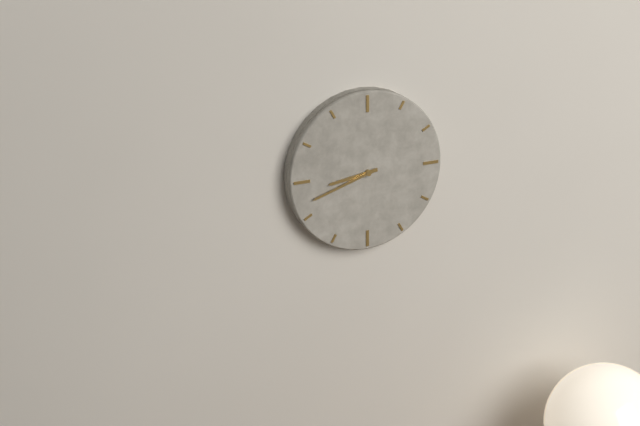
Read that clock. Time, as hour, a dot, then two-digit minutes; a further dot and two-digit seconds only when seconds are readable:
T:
8.42
